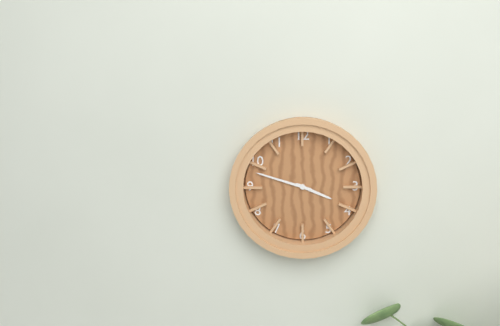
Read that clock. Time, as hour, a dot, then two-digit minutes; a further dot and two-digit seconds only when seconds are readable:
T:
3.48
